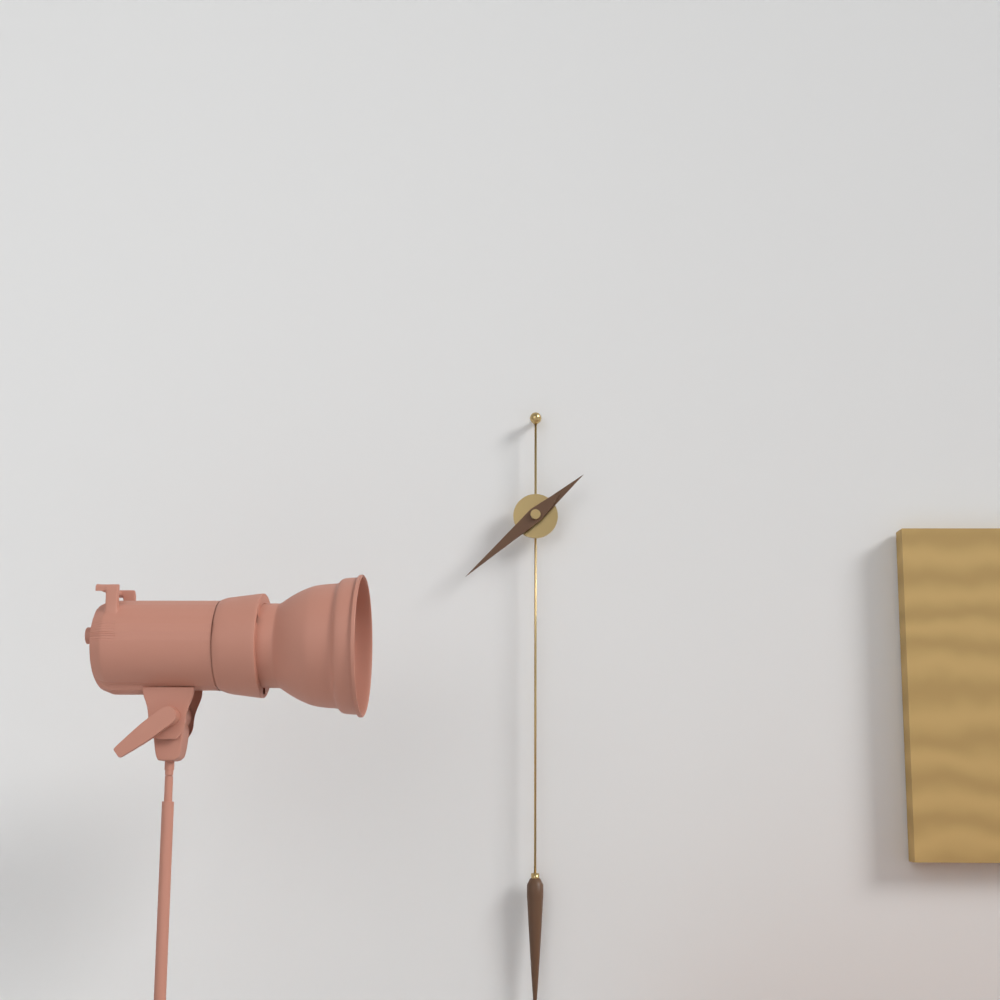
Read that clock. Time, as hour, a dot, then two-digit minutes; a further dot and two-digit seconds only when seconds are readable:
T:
1.38
